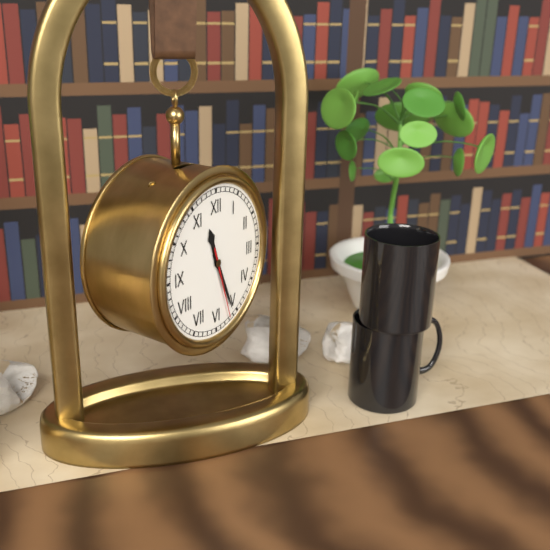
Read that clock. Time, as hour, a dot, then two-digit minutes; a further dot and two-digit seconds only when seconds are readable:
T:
11.26.27
